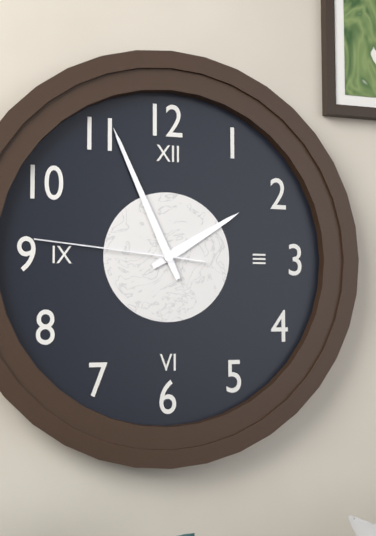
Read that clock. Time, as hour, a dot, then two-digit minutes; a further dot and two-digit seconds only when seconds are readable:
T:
1.56.46
